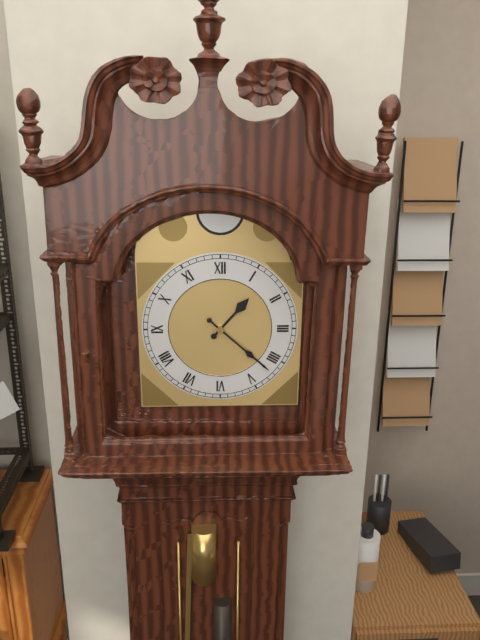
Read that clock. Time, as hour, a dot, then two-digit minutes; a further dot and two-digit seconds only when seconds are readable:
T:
1.22
